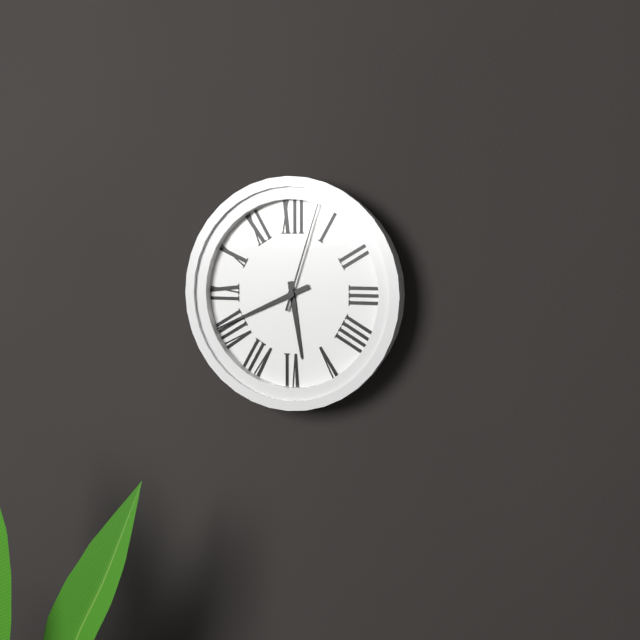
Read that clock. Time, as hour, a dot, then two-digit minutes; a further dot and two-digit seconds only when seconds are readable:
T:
5.41.03
